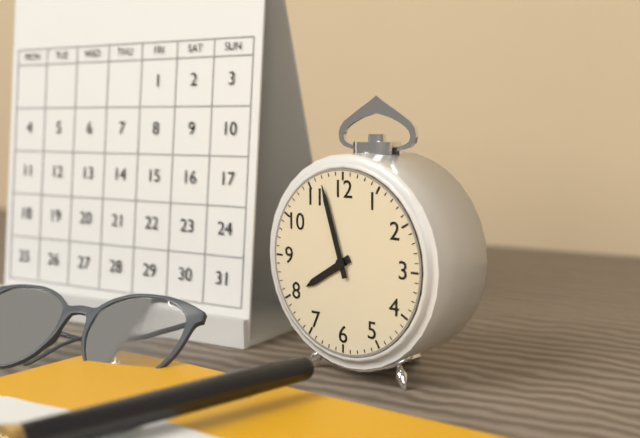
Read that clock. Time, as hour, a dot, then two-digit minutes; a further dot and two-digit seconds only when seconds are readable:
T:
7.57
